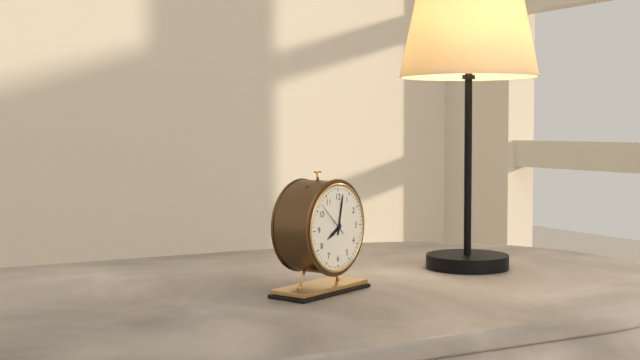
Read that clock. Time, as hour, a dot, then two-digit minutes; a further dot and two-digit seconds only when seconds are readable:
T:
8.02
